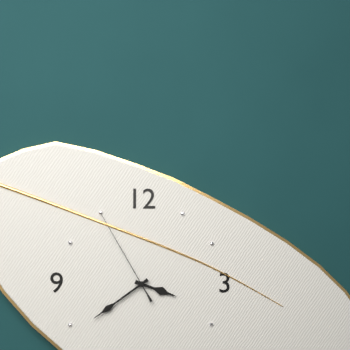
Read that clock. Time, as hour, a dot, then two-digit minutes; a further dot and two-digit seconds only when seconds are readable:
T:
3.39.55
